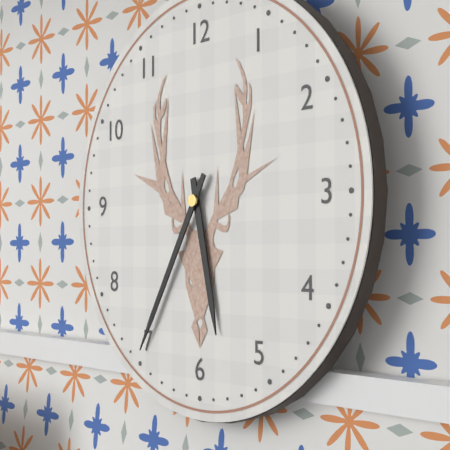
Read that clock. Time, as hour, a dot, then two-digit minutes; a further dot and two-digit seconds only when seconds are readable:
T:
5.35
